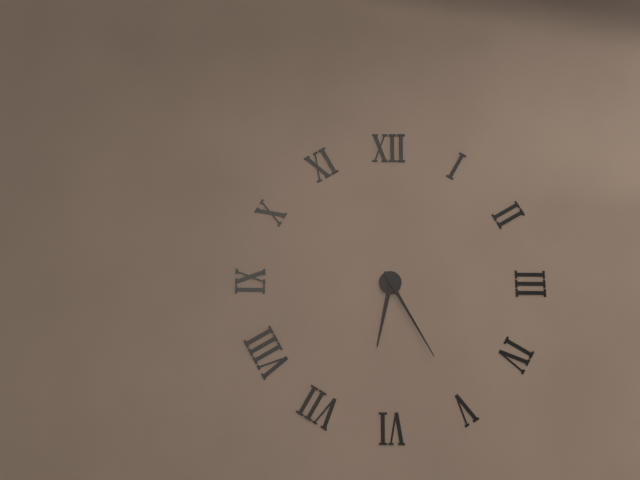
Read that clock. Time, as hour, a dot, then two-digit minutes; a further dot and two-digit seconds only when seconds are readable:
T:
6.25
